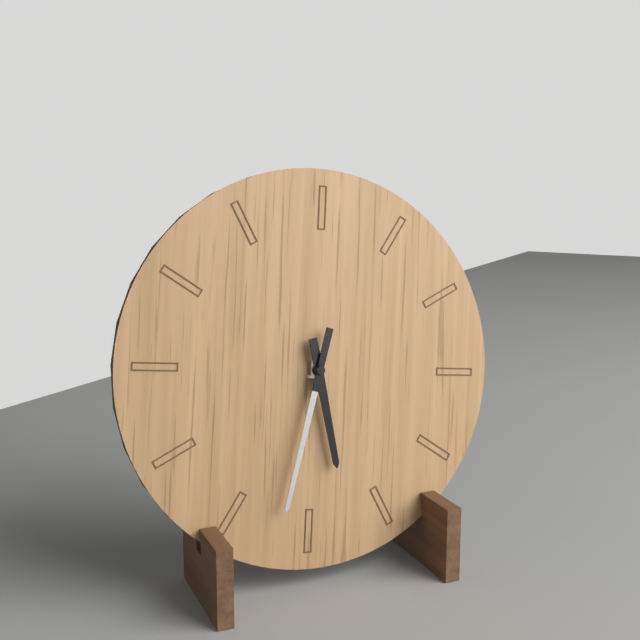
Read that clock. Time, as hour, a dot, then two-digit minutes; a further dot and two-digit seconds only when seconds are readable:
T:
5.32
